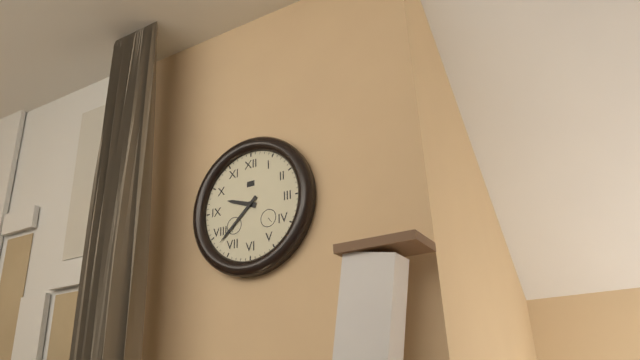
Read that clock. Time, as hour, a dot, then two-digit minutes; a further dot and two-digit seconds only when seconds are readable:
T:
9.38
